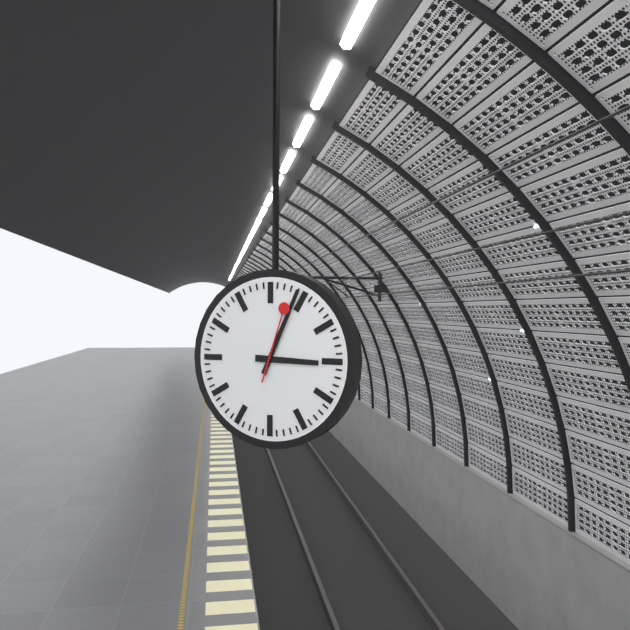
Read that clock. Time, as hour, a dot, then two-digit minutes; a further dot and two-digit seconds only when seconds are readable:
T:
3.04.03
